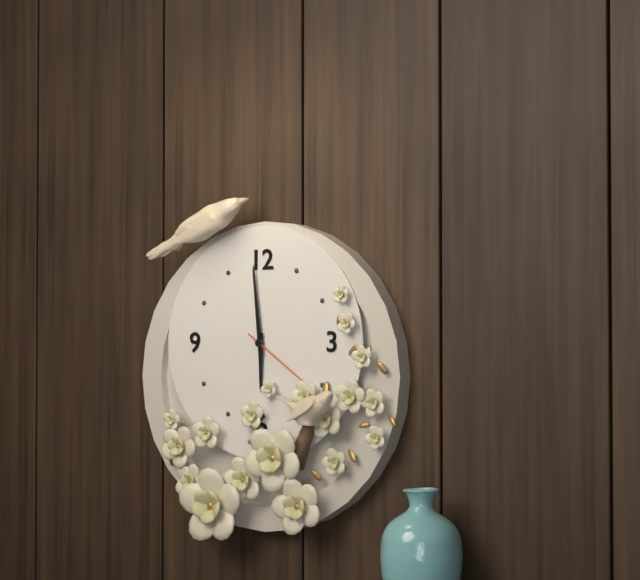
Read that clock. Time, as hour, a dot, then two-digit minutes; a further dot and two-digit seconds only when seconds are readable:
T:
5.59.21
